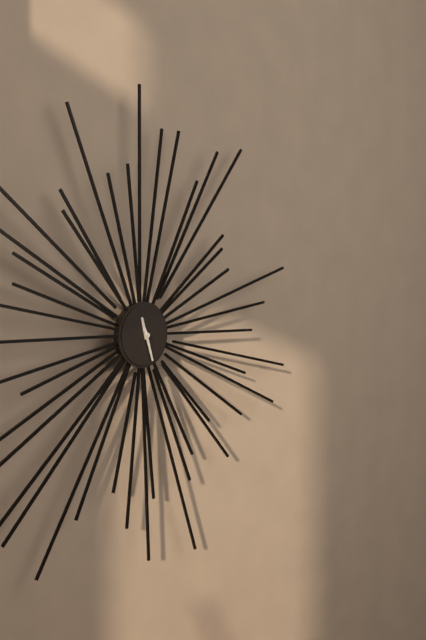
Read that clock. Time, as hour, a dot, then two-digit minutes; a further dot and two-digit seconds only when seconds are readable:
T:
11.27
